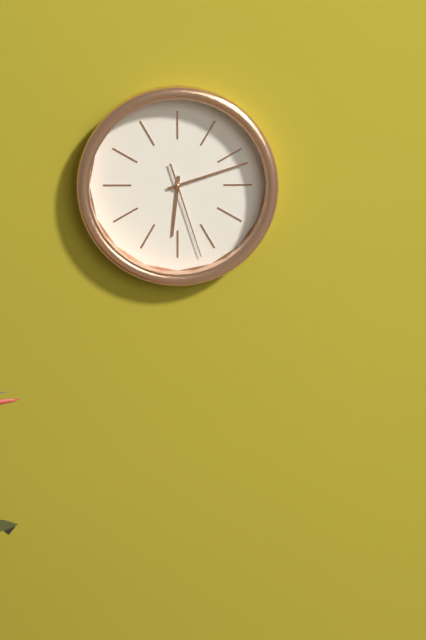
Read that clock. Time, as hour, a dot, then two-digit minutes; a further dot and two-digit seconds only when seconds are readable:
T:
6.12.27
